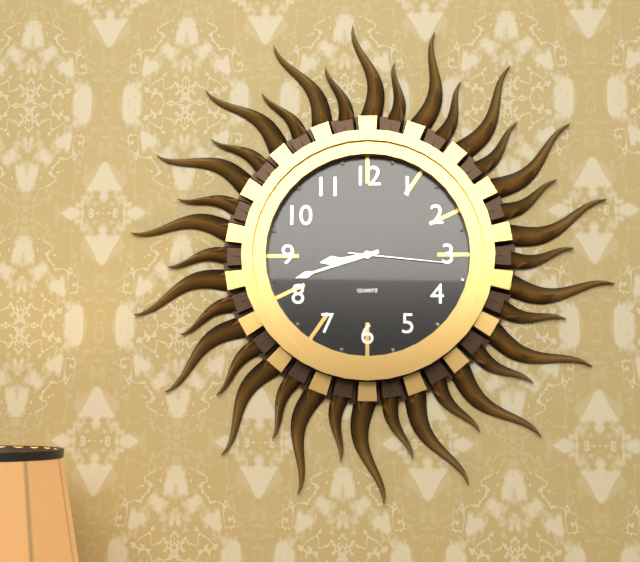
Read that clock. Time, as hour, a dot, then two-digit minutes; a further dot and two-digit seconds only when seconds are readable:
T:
8.42.16
